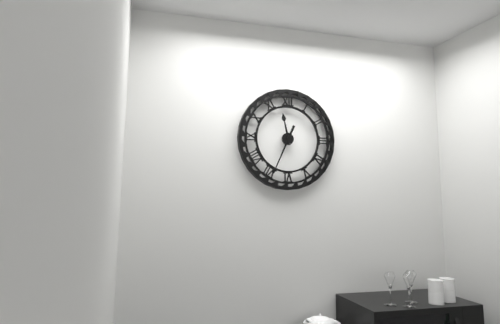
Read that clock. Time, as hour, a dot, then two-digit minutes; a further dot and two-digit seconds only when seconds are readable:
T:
11.34
